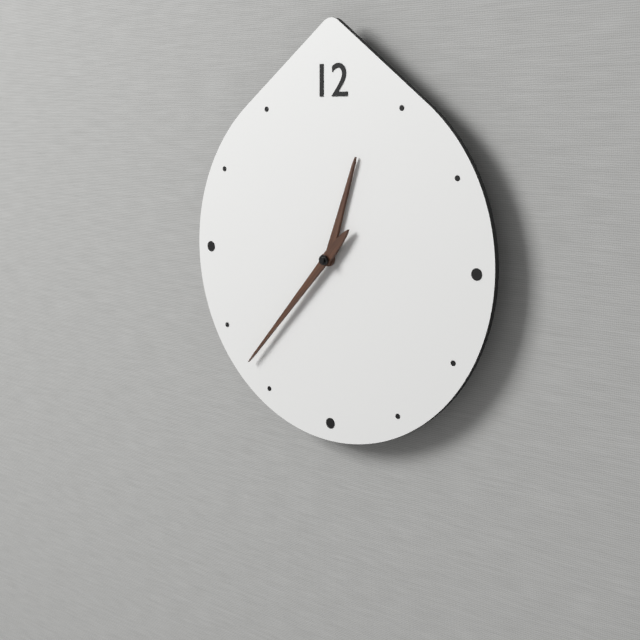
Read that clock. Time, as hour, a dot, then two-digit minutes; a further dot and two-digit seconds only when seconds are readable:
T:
12.37
